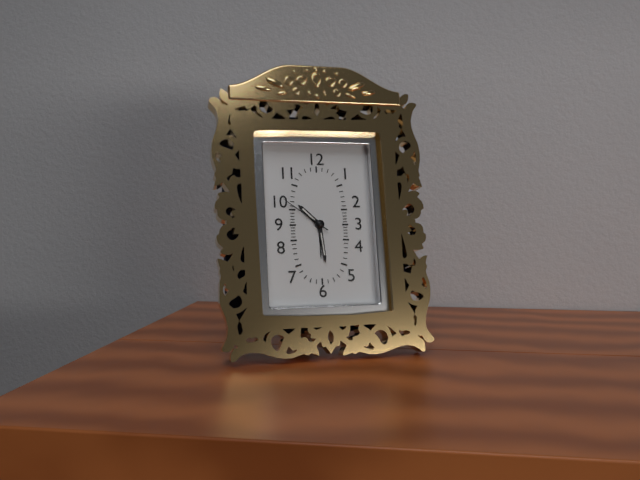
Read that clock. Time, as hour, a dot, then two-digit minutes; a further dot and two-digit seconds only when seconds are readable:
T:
10.29.51
